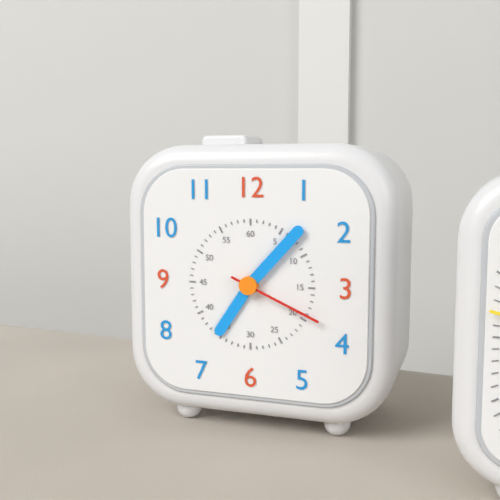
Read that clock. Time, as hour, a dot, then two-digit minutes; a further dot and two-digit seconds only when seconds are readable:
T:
7.07.19
